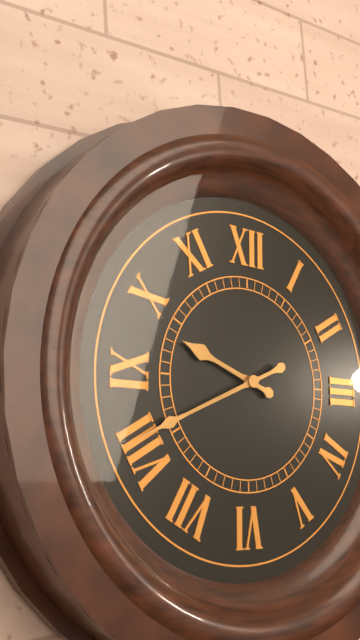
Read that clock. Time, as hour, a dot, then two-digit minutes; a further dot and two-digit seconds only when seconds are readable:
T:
9.41
